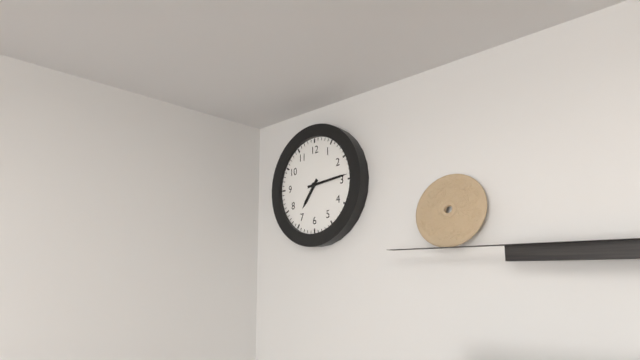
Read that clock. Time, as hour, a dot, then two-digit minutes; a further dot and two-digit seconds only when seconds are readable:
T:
7.14
